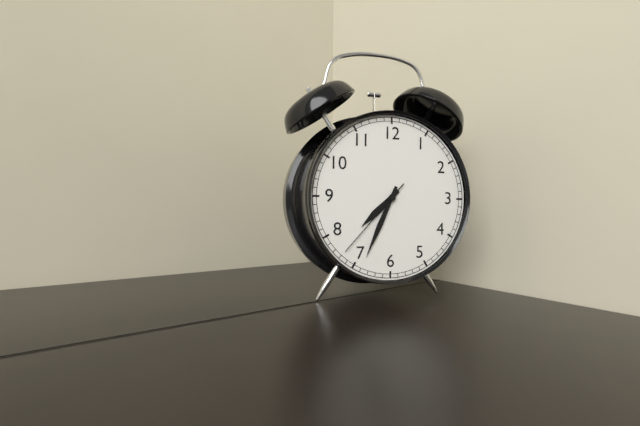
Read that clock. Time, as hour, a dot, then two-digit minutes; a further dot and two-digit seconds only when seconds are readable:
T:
7.34.37
